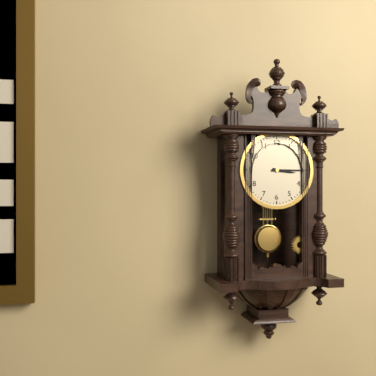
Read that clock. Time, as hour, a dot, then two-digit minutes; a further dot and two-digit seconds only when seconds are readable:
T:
3.15
